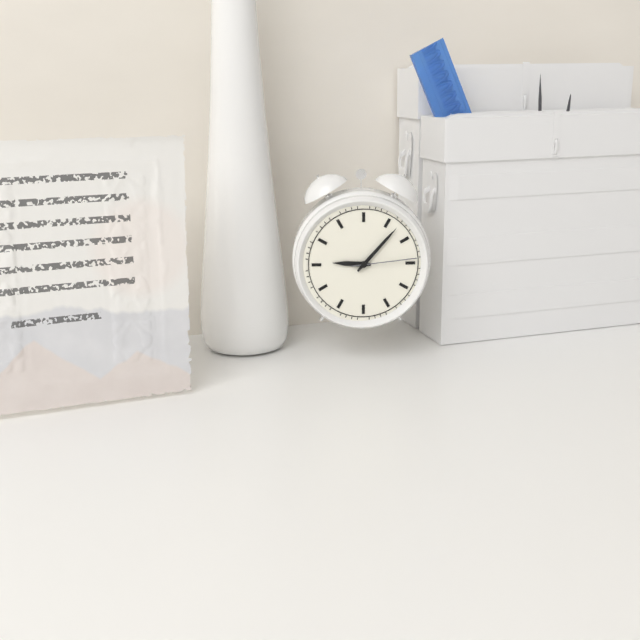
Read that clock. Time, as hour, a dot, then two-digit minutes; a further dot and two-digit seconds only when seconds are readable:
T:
9.07.14
